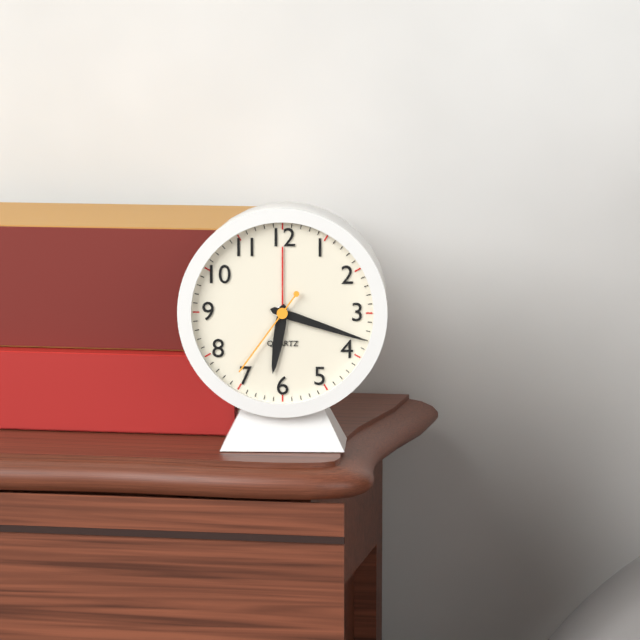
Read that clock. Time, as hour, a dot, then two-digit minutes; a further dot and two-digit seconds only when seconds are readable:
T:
6.18.36
